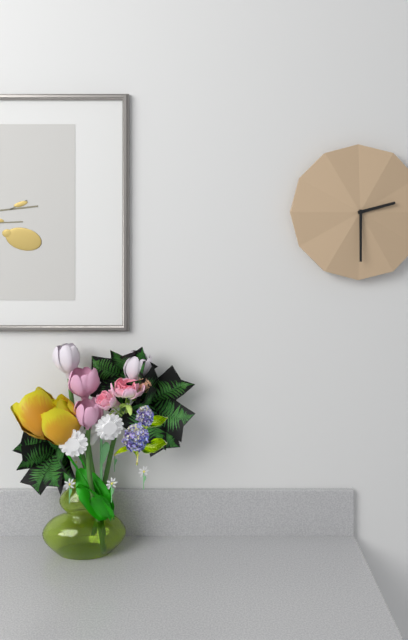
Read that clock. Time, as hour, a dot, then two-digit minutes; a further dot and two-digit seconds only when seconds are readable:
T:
2.30
